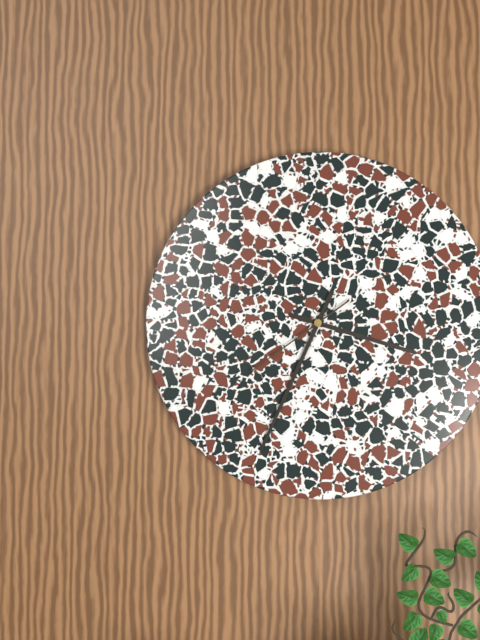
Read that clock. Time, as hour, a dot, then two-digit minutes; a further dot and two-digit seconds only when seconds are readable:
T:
3.34.39
